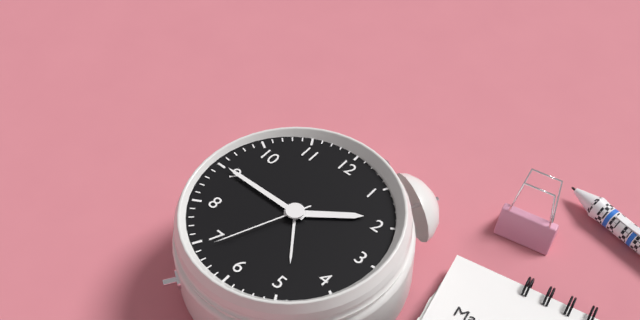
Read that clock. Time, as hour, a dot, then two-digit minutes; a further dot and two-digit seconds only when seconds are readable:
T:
1.45.34
